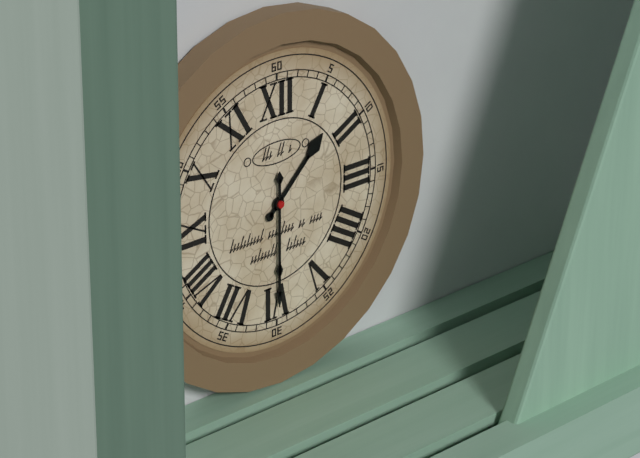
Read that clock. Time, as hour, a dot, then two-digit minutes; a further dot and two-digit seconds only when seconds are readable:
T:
1.30
